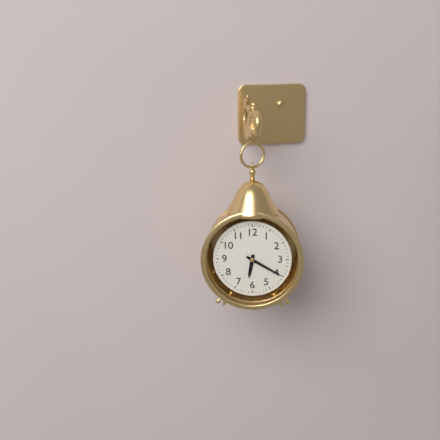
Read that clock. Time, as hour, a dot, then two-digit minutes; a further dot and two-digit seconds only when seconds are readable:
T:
6.20
